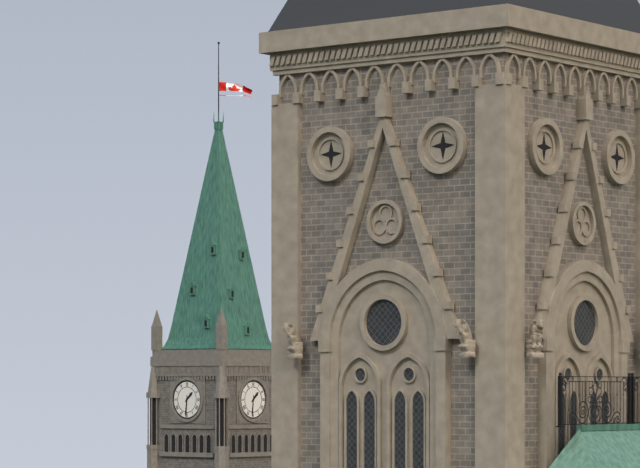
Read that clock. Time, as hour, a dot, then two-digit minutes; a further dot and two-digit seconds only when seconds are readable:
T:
1.31
